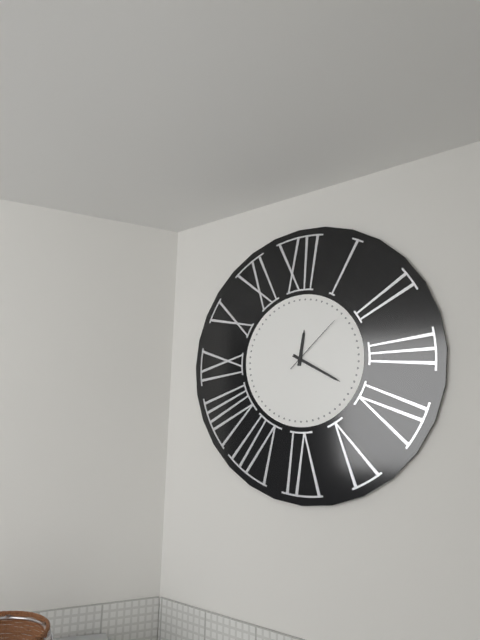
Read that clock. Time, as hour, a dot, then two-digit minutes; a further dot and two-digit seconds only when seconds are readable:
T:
12.20.08
